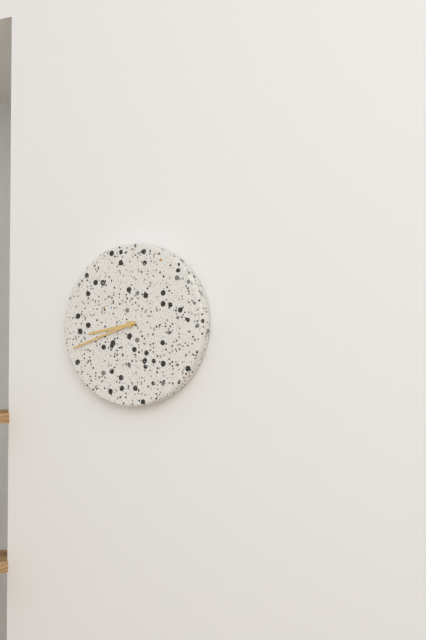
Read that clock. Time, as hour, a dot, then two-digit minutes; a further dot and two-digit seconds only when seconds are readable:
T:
8.42
